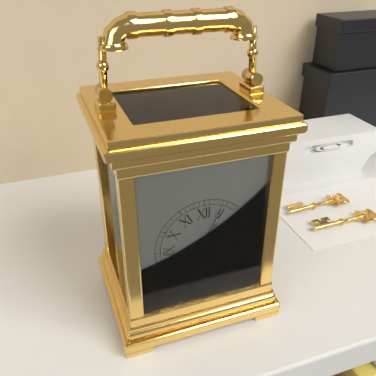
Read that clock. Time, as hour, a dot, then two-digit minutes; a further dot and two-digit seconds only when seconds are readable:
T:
1.04
